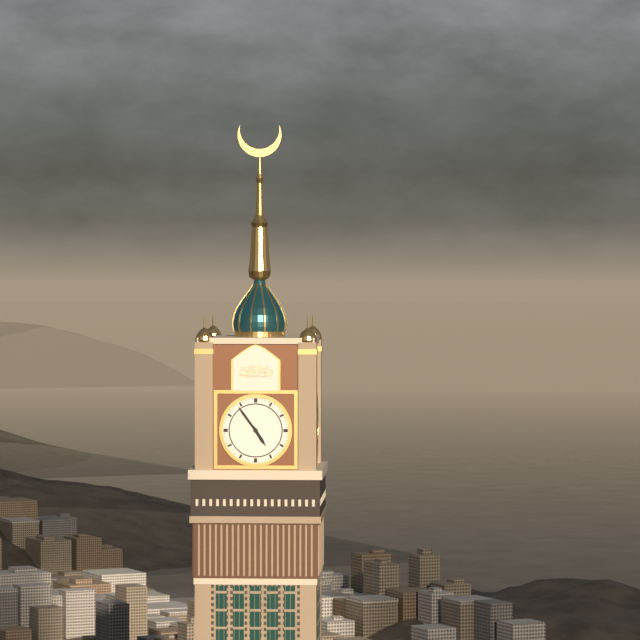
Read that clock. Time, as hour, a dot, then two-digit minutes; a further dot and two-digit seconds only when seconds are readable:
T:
4.54
